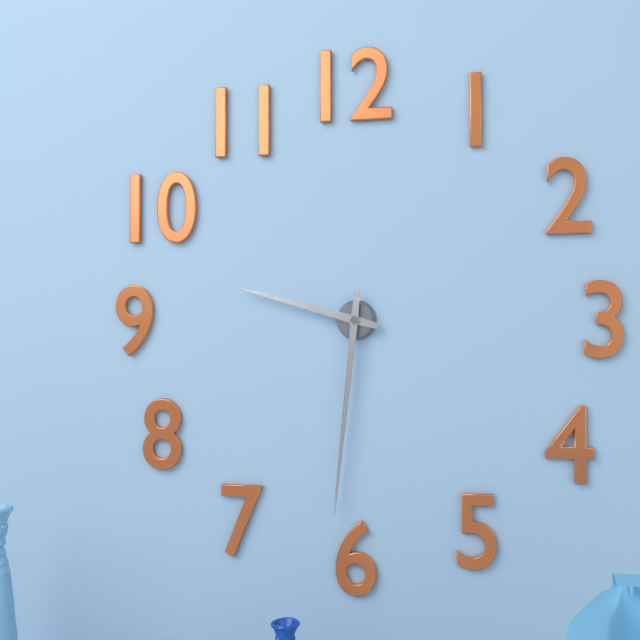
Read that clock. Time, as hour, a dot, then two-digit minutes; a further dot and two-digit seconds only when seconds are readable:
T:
9.31
